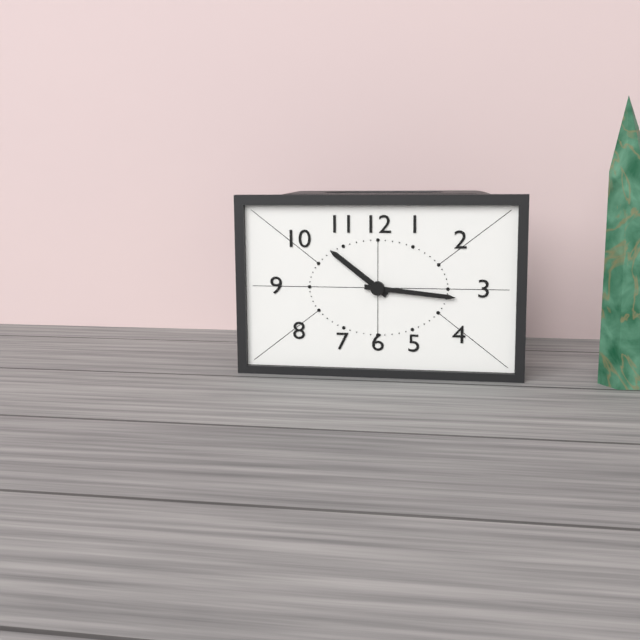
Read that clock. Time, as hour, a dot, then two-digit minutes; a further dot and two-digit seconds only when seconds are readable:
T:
10.16
